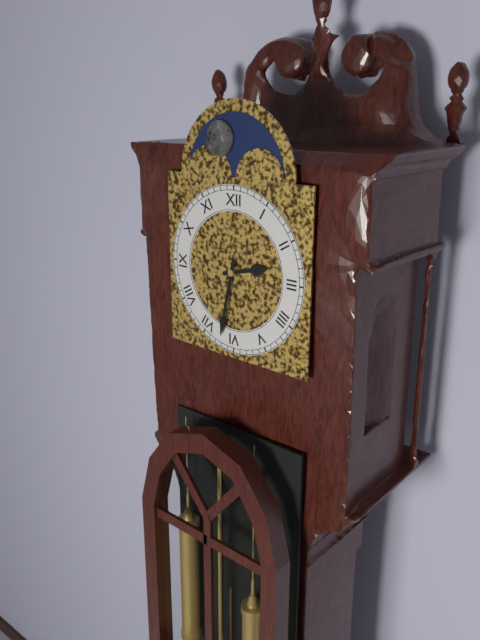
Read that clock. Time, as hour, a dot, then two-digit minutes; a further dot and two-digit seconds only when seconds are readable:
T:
2.32
